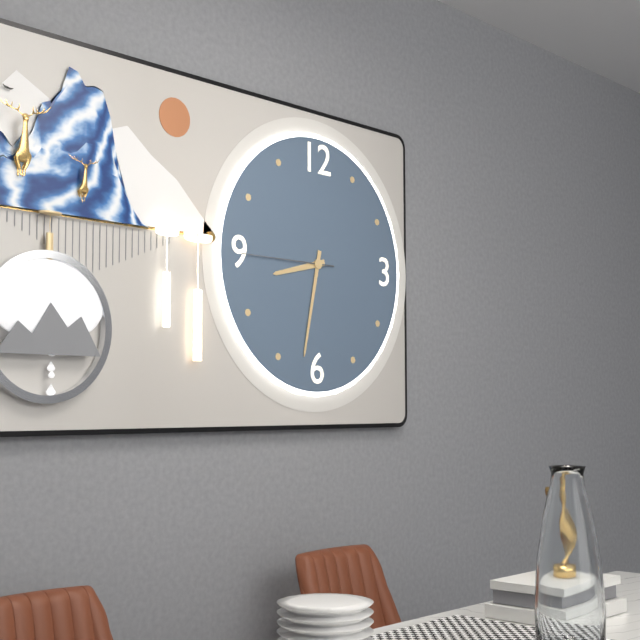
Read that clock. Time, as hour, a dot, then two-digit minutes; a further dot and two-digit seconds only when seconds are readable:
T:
8.32.45
